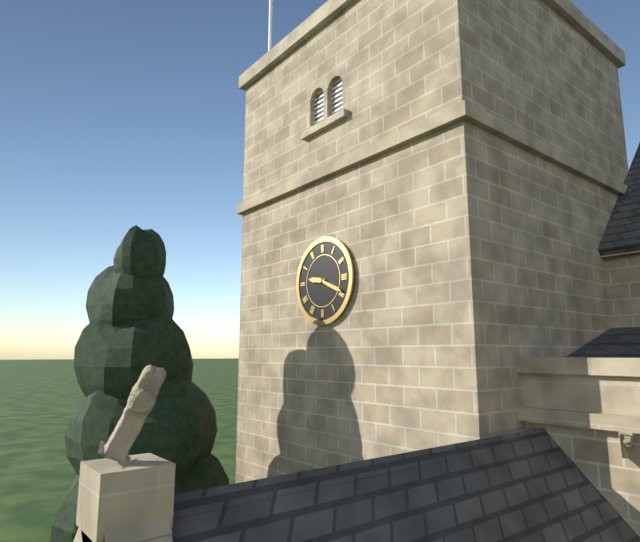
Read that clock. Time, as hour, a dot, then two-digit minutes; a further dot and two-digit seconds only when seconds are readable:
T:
9.19
